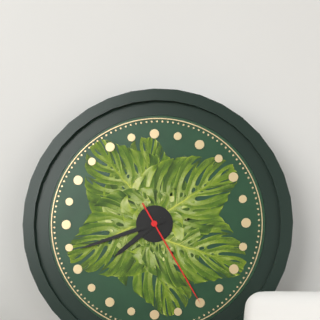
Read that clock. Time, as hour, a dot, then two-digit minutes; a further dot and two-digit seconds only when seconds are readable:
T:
7.42.25
